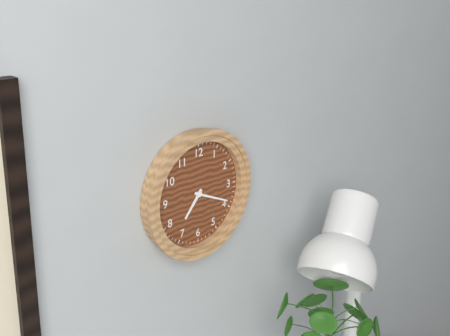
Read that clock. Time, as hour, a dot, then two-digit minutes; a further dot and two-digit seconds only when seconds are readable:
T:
7.19
